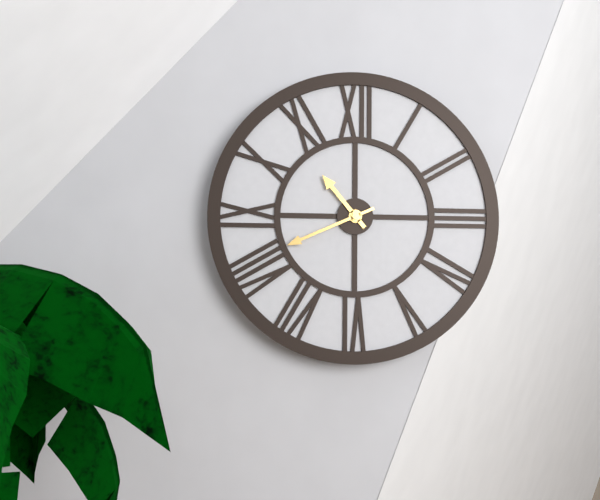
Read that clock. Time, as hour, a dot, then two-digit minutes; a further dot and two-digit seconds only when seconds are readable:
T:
10.41
